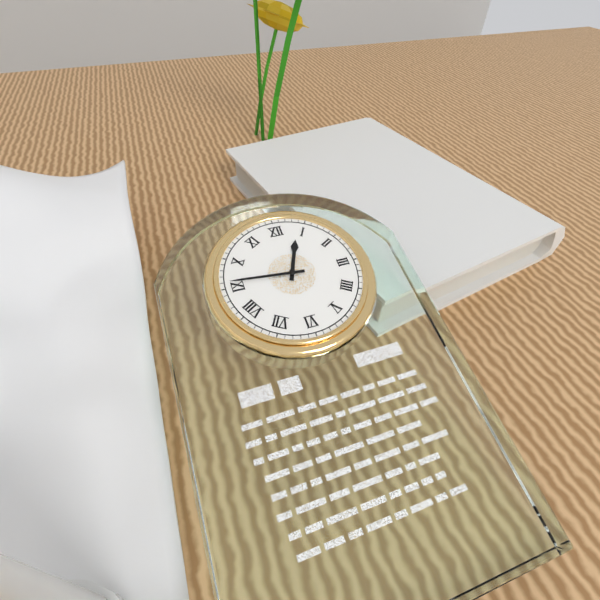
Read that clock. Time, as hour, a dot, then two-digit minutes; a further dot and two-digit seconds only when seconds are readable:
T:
12.46
